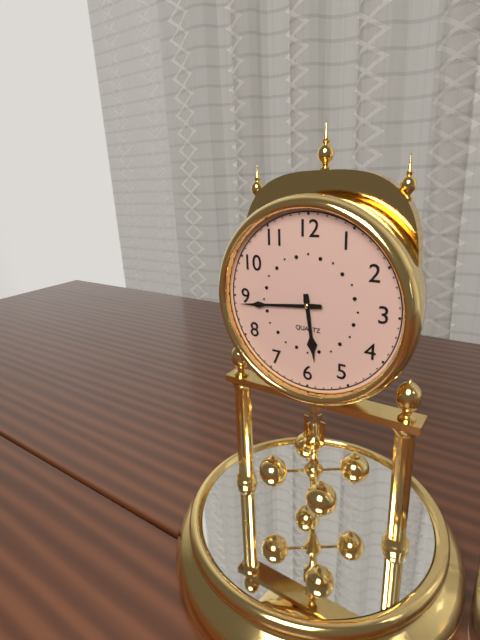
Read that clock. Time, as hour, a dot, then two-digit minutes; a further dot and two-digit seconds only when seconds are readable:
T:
5.44
